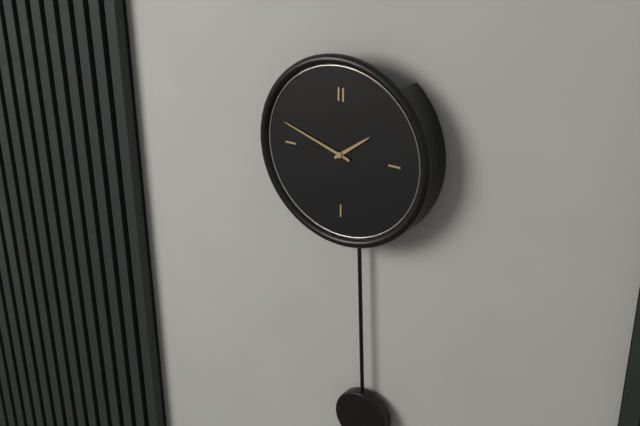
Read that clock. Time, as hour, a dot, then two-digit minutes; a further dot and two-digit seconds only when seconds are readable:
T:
1.48
